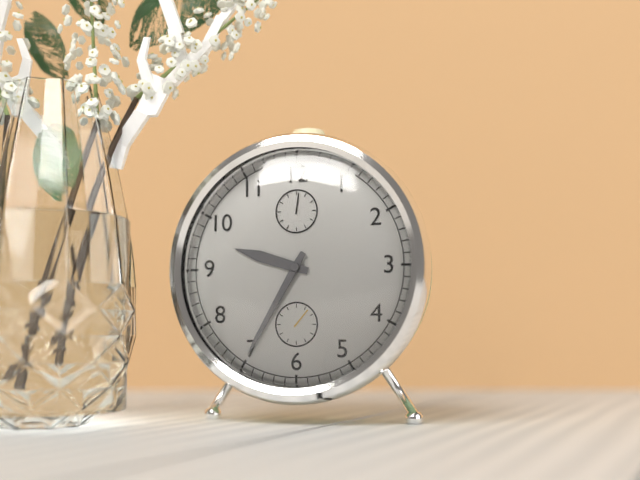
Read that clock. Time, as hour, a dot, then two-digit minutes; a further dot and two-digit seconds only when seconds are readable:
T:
9.35
